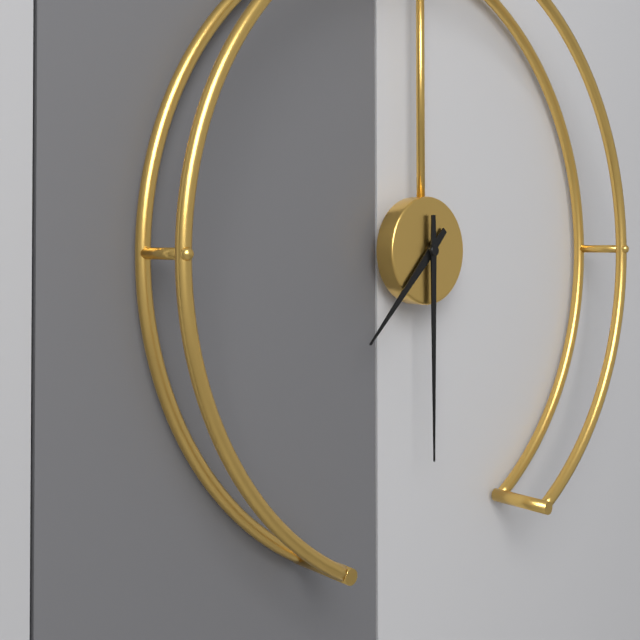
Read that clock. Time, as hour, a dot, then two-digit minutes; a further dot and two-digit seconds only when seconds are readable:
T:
7.30
